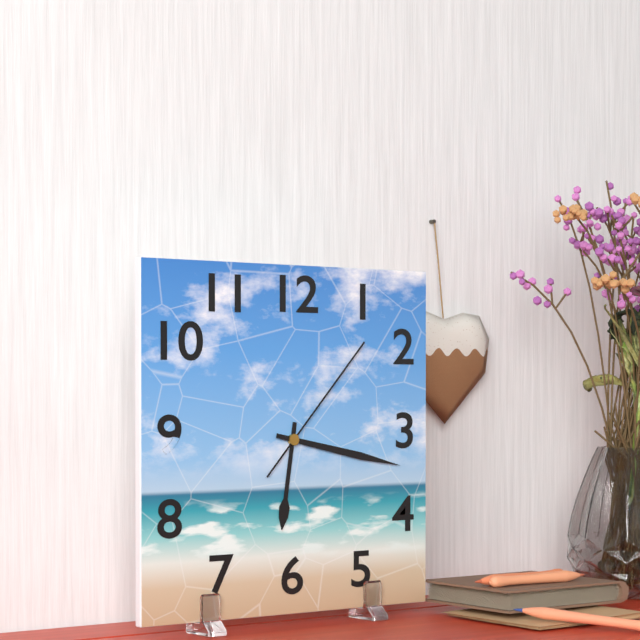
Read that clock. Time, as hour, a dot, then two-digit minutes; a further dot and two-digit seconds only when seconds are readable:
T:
6.17.07
